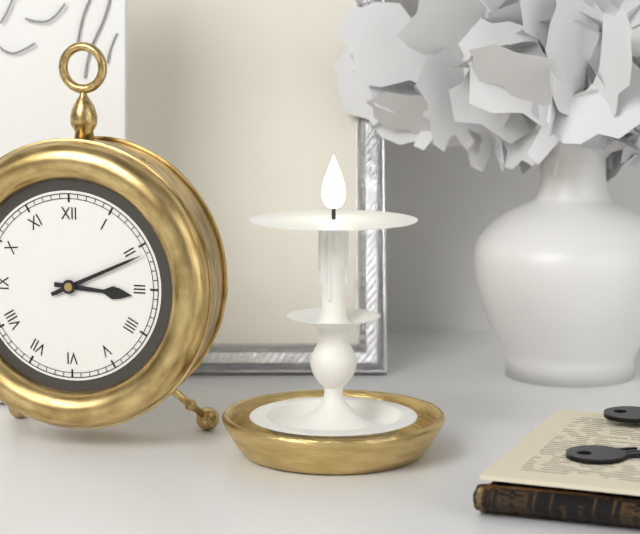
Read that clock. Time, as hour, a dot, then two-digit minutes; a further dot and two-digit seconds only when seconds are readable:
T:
3.11
